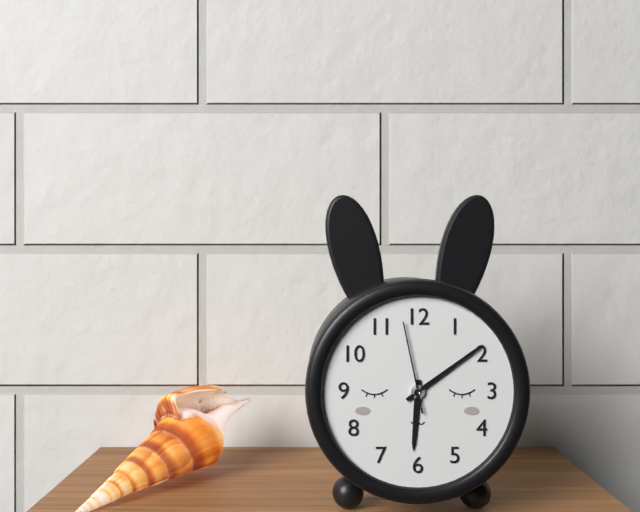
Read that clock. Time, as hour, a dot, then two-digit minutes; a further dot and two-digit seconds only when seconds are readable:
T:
6.09.58
